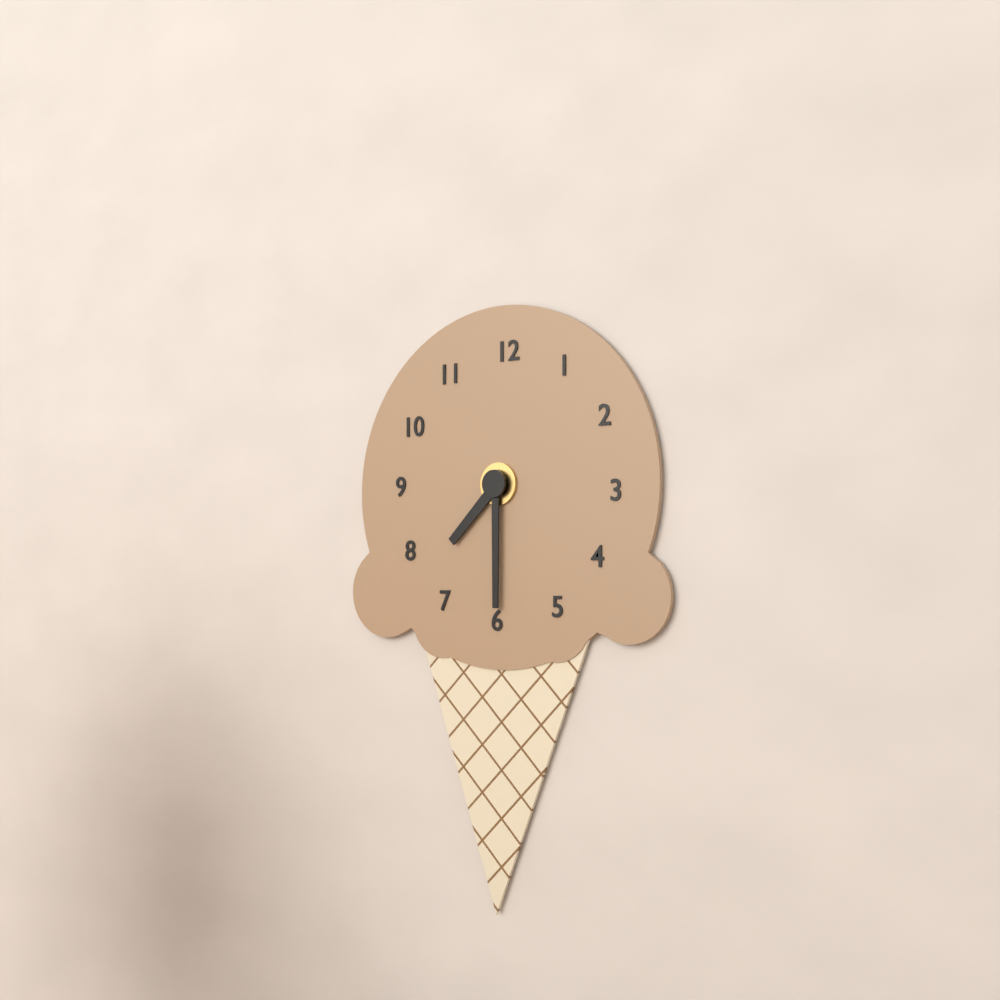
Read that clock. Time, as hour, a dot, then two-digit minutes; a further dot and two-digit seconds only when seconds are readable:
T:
7.30
